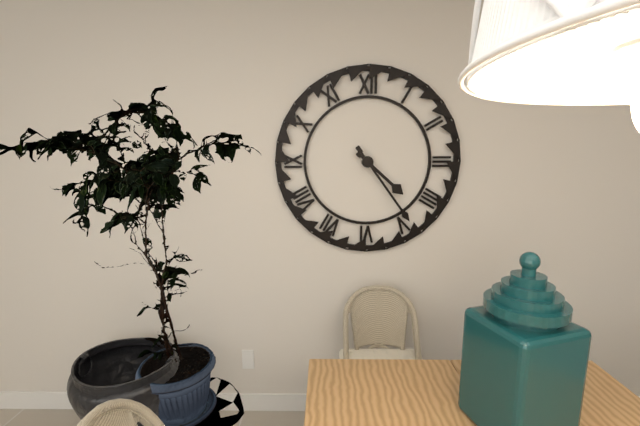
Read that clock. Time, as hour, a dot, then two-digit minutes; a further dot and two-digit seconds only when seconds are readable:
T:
4.24
